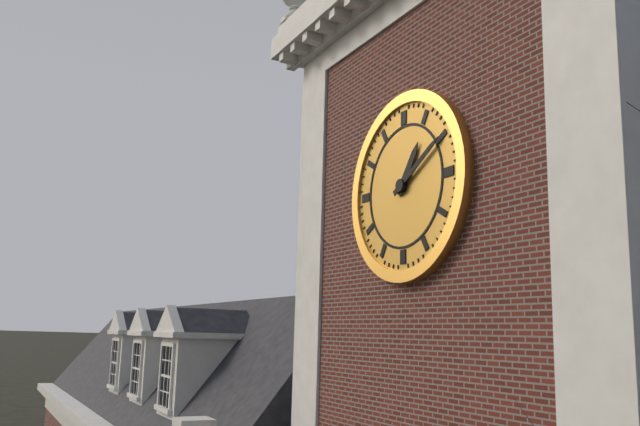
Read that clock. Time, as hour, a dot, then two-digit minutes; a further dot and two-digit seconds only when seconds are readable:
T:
1.10
